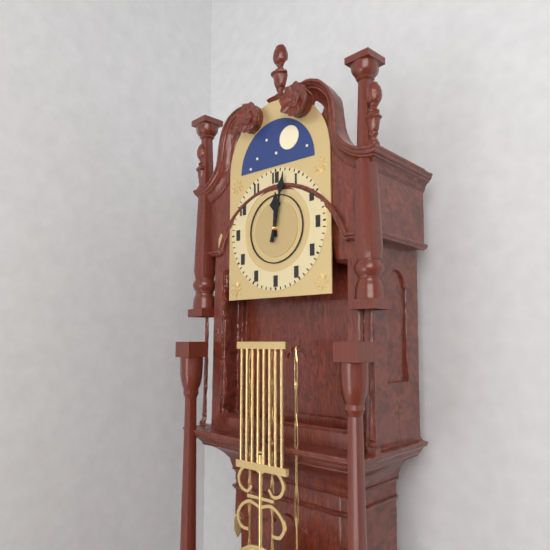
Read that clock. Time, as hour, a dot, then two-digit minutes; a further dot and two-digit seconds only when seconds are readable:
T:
12.02
